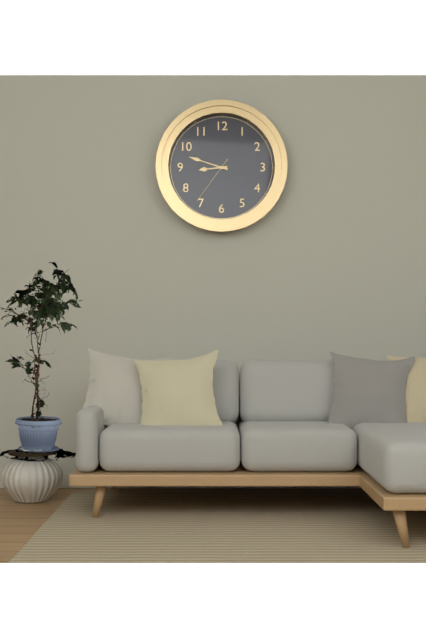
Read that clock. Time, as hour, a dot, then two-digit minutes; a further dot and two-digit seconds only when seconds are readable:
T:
8.48.36
